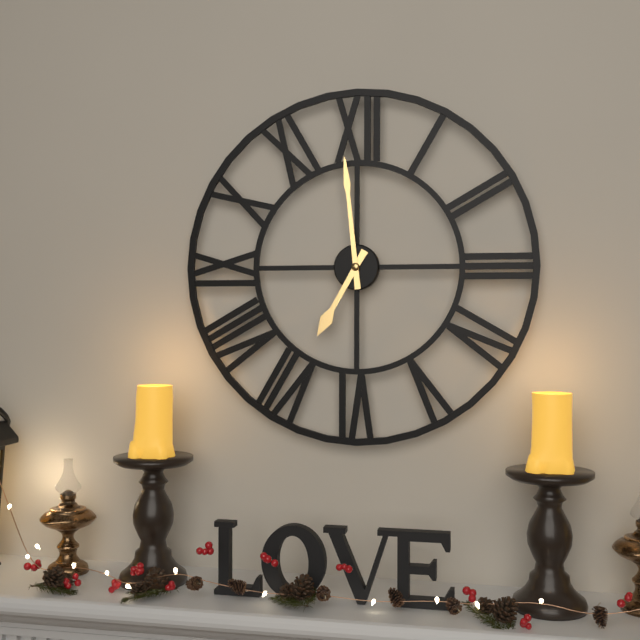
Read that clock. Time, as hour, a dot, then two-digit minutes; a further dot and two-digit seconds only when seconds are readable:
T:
6.59
